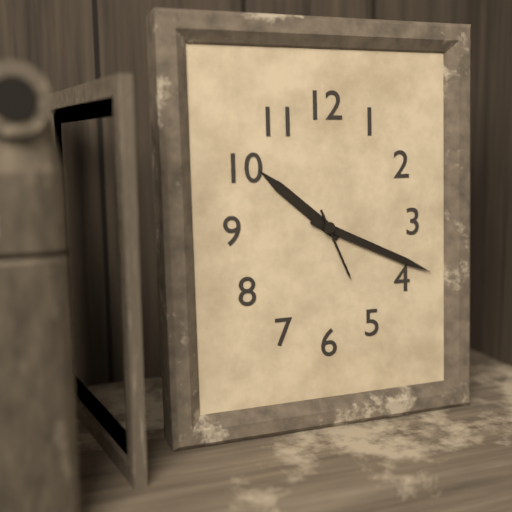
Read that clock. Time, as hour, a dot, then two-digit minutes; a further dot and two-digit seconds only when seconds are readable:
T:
10.19.26
